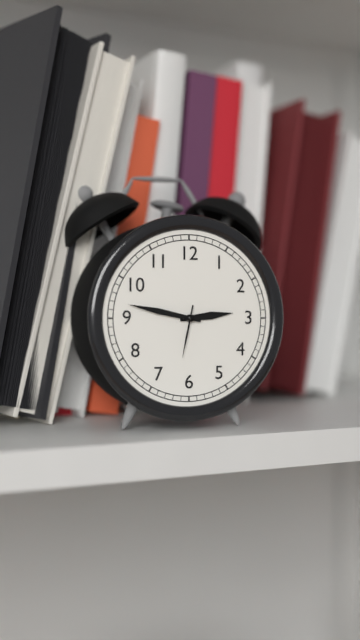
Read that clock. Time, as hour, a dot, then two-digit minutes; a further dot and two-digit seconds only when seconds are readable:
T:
2.47.32
